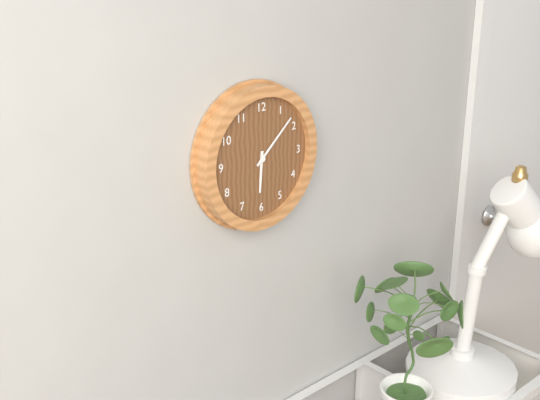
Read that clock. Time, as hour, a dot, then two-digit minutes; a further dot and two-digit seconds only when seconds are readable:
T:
6.08
